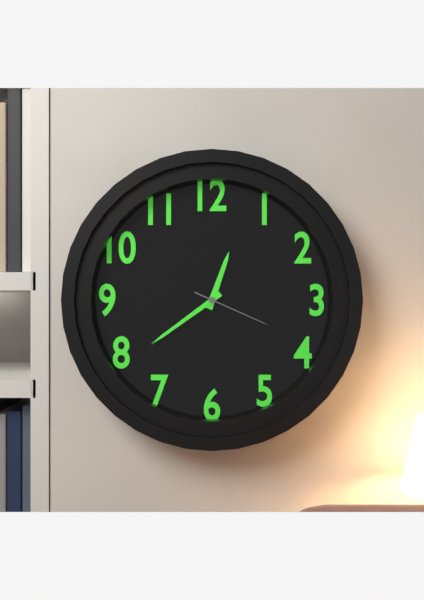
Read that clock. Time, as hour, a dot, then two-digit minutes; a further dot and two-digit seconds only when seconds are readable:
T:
12.39.19
